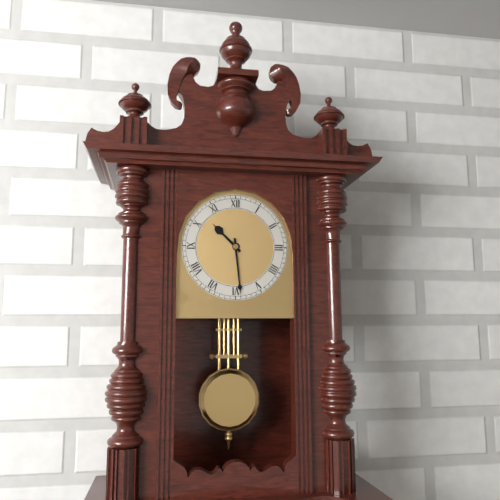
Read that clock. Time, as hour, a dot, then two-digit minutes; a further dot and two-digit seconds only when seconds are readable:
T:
10.29
